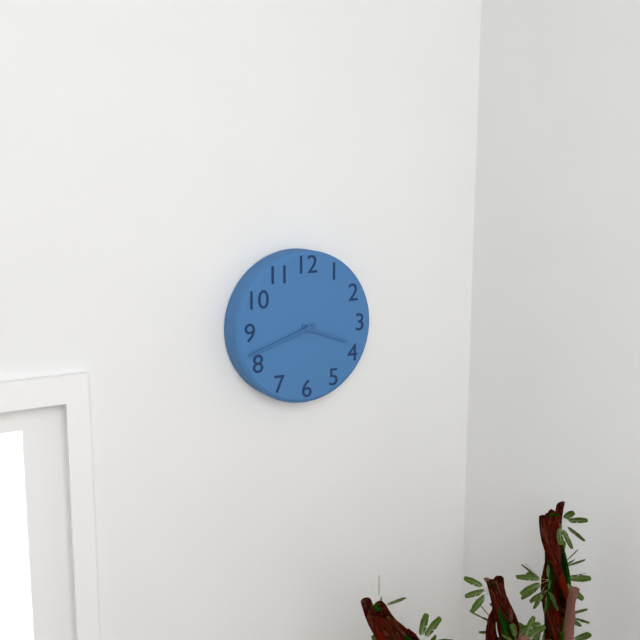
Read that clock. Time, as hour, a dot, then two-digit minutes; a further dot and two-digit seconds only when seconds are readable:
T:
3.42
